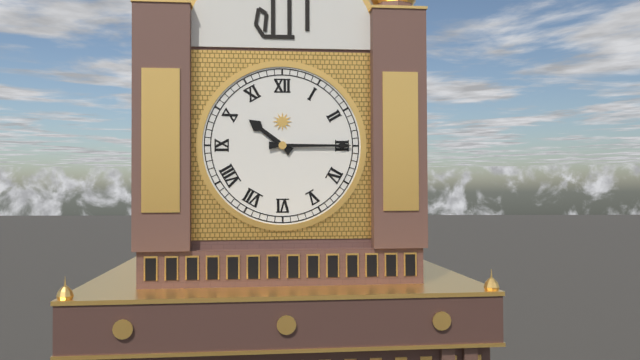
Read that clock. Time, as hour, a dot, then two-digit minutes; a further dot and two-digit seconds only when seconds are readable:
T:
10.15
